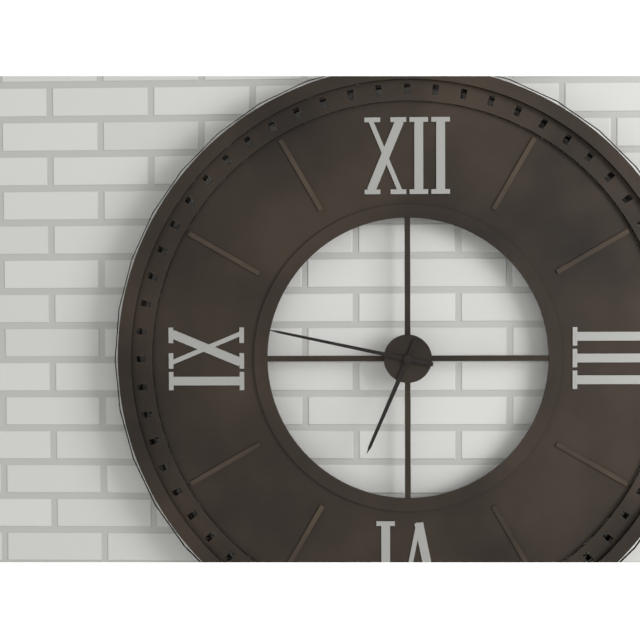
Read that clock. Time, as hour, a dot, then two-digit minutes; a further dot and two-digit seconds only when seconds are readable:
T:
6.47
